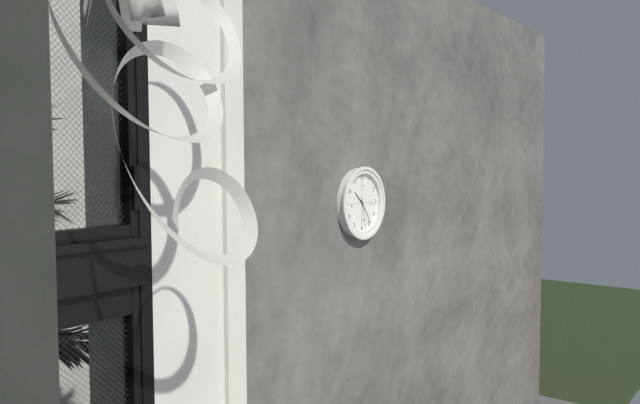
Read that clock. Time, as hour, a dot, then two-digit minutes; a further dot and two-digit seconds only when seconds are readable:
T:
10.24
